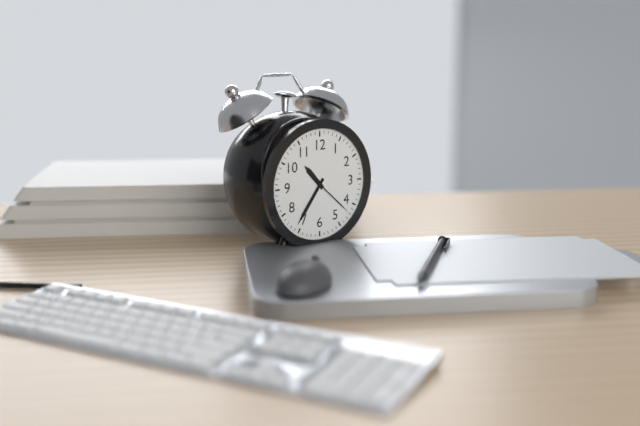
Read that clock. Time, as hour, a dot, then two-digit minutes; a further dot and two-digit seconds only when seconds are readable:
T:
10.36.22
